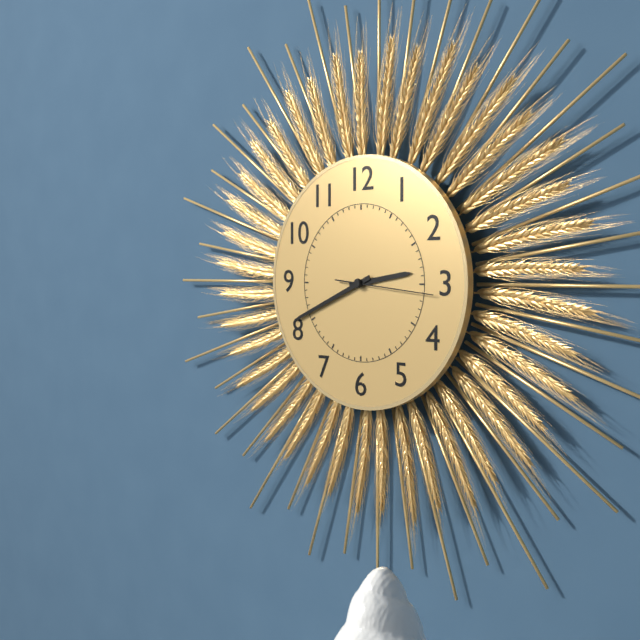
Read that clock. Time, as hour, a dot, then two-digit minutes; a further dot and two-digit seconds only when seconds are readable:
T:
2.41.16
